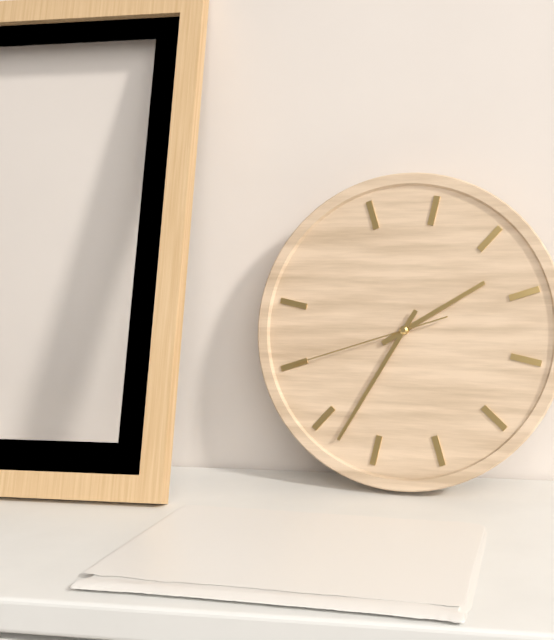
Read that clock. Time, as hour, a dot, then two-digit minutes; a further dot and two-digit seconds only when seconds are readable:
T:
1.33.40
